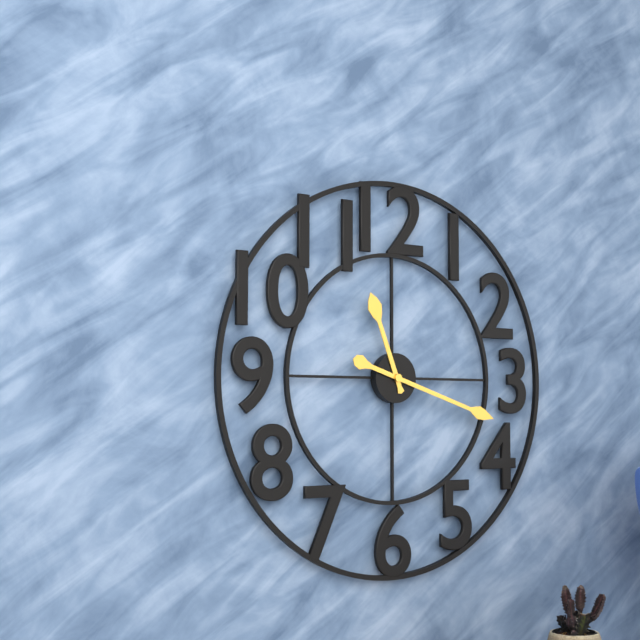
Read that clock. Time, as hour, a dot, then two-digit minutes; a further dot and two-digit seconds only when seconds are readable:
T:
11.18
